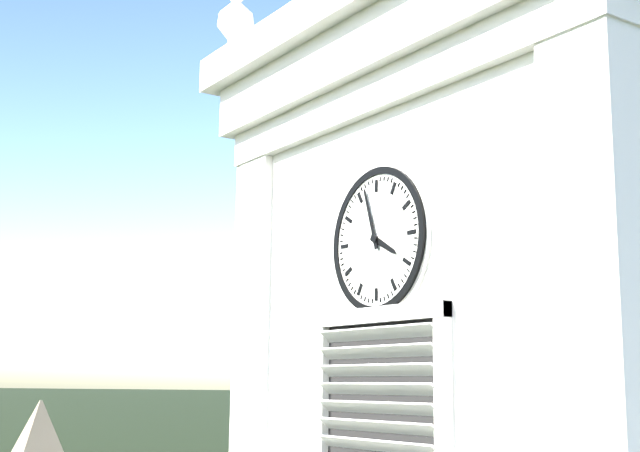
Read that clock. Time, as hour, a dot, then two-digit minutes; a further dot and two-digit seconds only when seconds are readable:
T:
3.57
